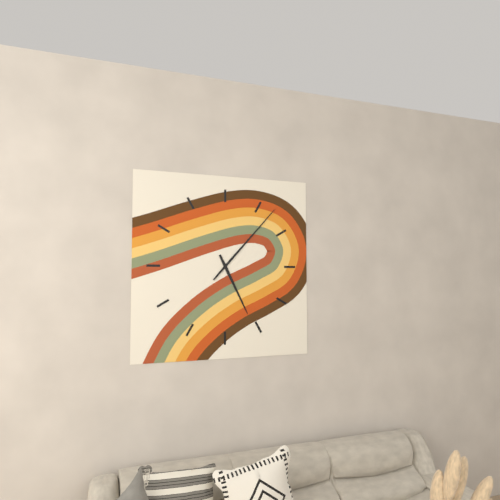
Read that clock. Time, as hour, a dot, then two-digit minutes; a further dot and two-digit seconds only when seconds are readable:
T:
5.07
